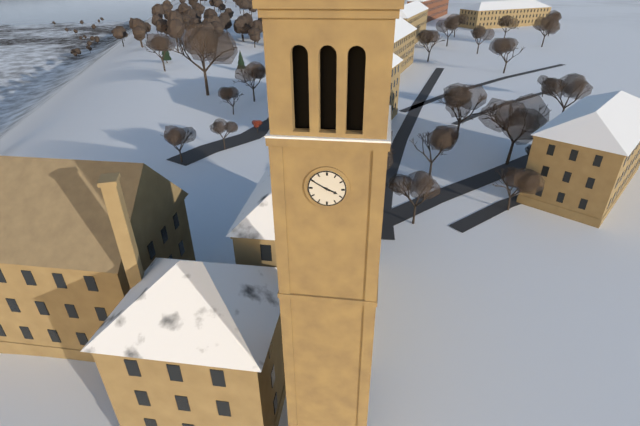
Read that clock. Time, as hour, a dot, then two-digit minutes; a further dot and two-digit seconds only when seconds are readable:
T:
3.50
